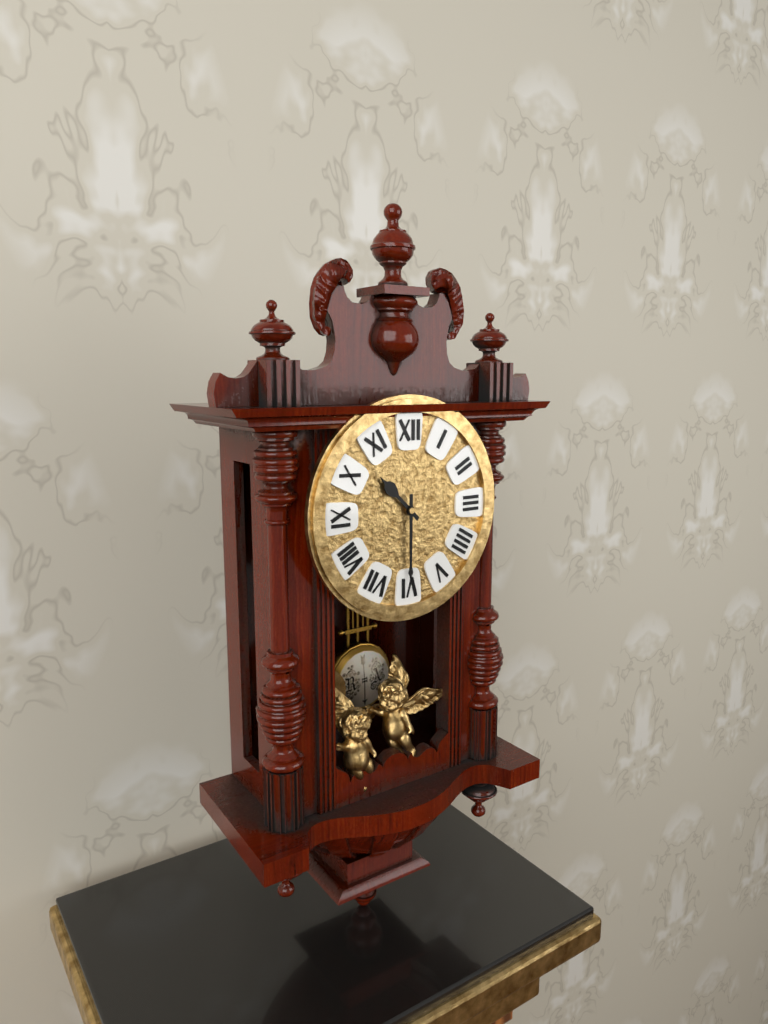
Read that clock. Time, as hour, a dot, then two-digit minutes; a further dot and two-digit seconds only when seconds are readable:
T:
10.30
